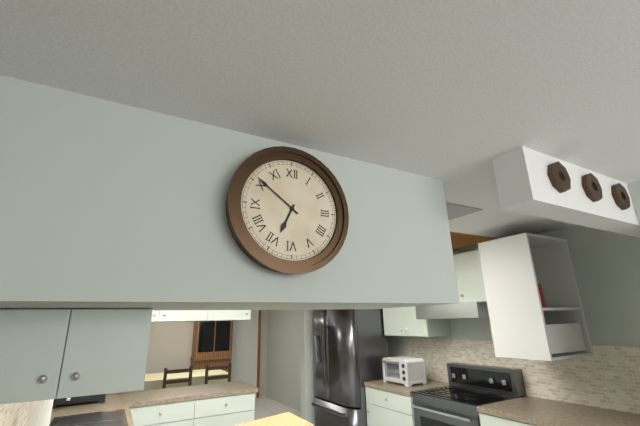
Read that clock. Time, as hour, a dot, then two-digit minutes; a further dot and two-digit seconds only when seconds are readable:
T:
6.51
